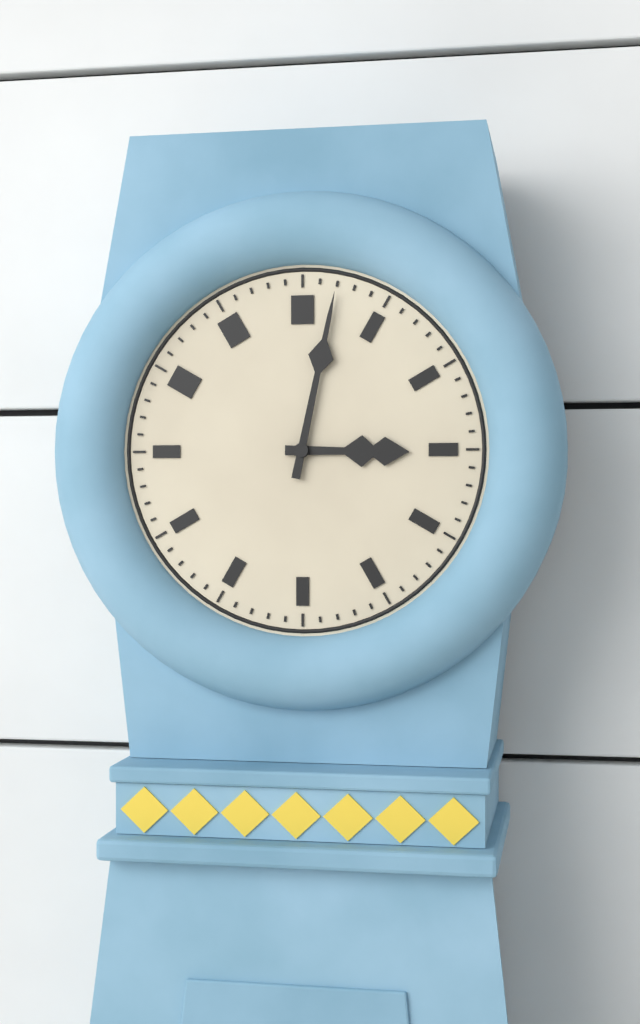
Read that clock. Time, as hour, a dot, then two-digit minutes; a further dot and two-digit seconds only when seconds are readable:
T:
3.02
